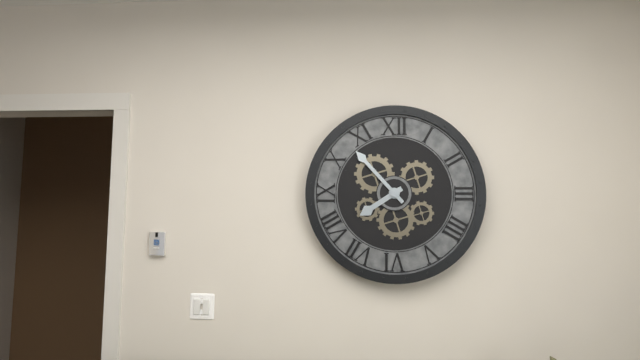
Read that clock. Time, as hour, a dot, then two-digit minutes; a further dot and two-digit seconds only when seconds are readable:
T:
7.53
